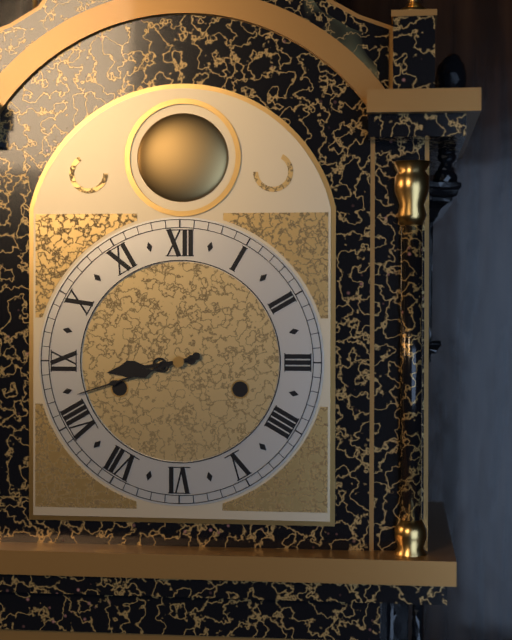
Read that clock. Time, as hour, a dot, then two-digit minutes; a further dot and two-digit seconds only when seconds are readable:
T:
8.42
